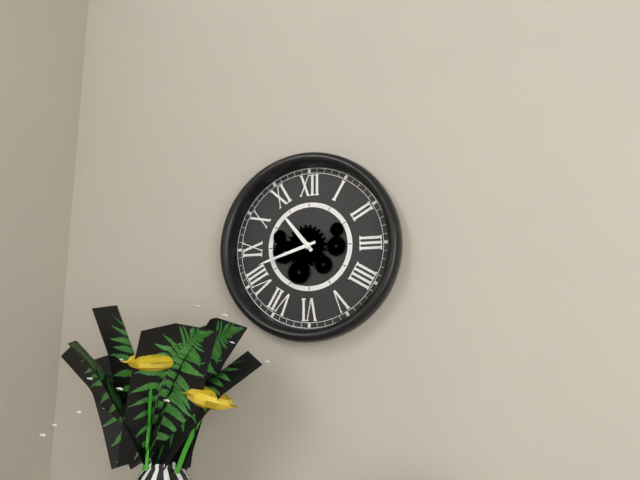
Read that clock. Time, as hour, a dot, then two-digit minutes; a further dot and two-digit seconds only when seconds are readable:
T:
10.42
